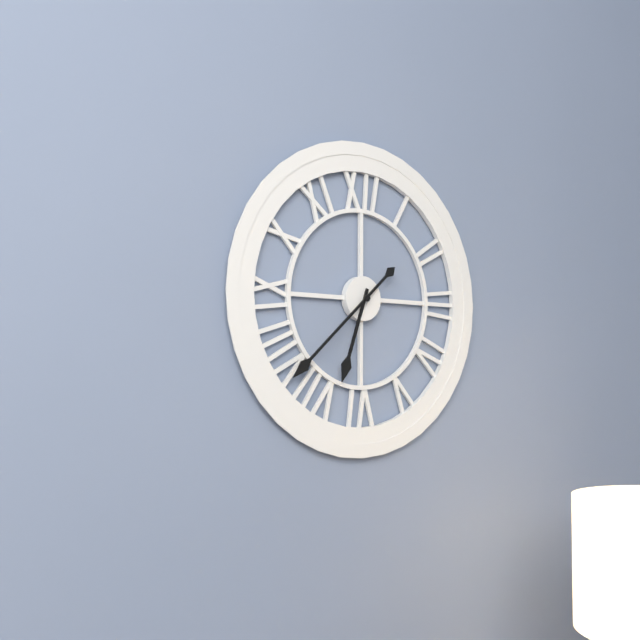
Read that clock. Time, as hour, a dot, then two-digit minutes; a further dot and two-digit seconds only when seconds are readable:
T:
6.38
